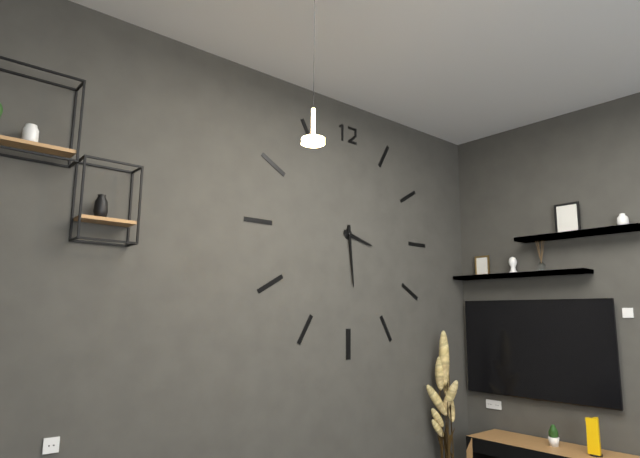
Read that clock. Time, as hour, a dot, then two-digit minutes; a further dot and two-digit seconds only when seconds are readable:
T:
3.29
